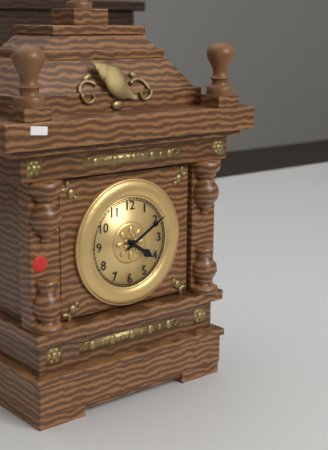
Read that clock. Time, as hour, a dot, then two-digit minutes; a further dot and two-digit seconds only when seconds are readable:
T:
4.10
